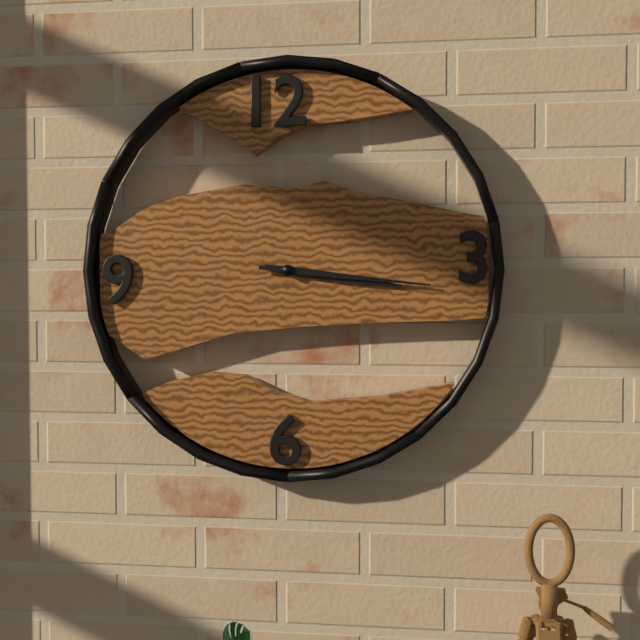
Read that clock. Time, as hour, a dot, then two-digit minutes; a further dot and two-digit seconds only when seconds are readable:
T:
3.16
